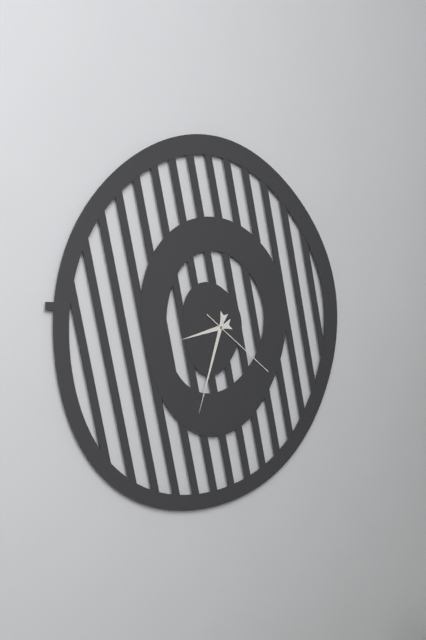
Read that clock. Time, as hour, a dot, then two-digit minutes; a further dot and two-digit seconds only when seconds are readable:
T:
8.33.21
